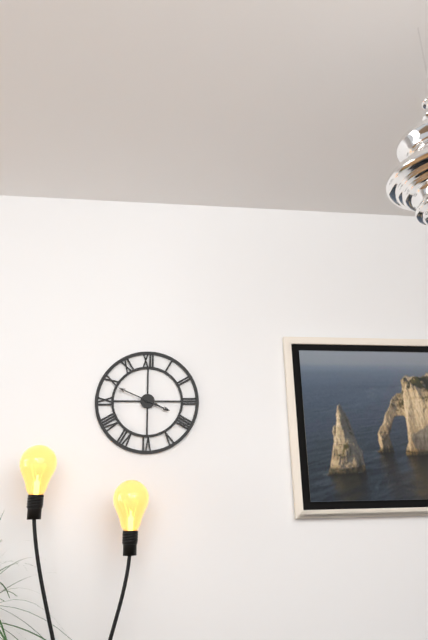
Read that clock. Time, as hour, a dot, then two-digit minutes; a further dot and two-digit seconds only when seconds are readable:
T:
3.49
